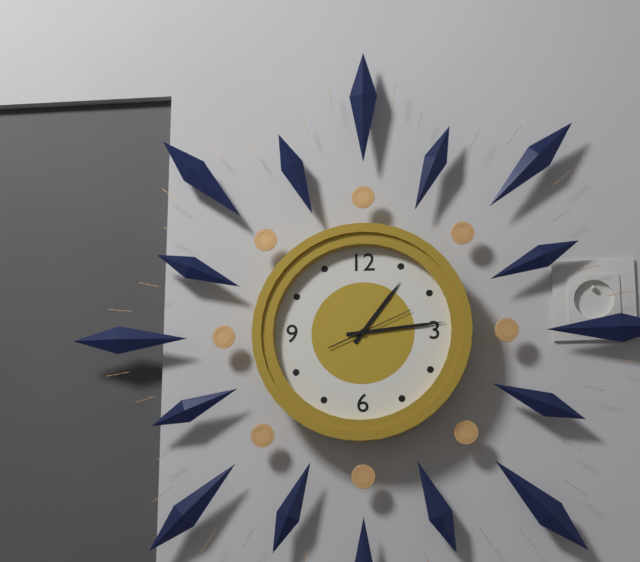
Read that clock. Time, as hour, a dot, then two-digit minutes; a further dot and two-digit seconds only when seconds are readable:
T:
1.14.11
